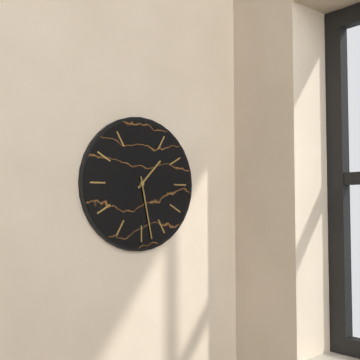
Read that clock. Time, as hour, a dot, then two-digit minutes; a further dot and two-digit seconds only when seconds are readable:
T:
1.28
